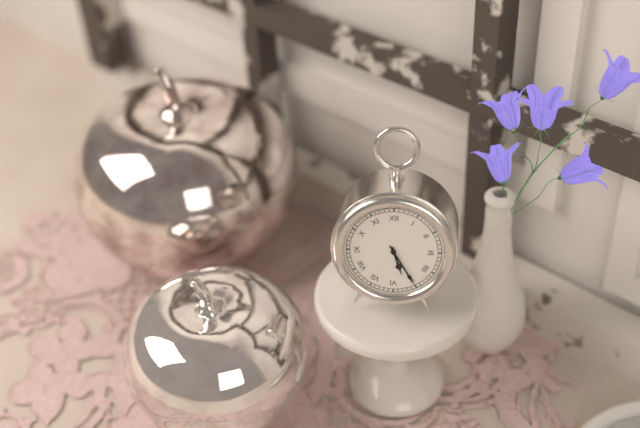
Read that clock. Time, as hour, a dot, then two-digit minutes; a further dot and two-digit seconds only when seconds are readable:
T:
5.25
